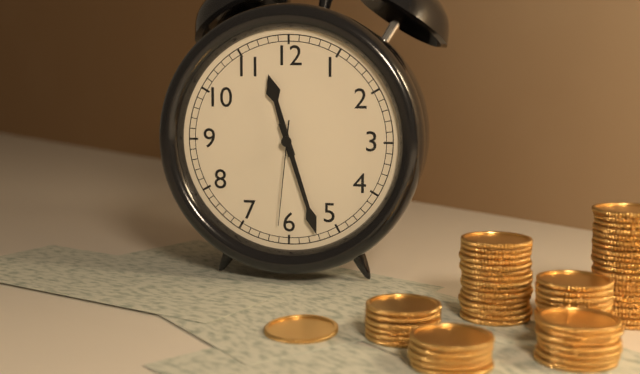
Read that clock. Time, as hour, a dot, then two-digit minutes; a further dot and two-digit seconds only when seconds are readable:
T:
11.27.31
